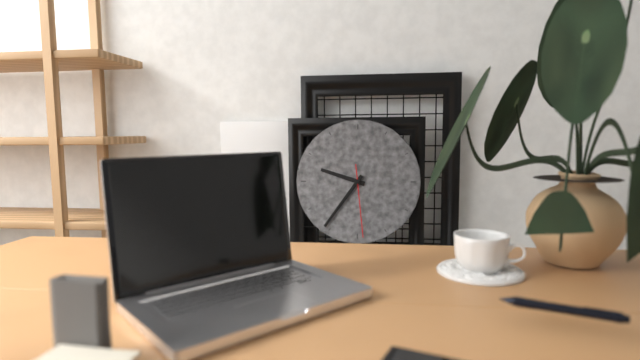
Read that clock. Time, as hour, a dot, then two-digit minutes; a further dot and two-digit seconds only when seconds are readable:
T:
9.36.29
